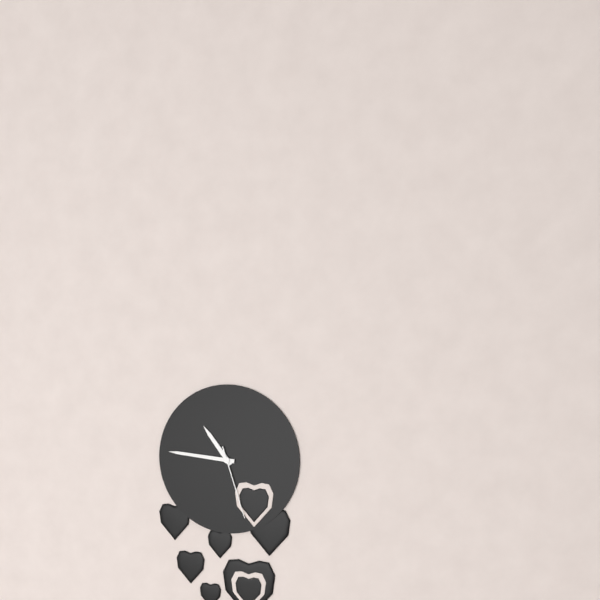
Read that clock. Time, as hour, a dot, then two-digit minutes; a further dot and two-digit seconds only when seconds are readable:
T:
10.46.27
